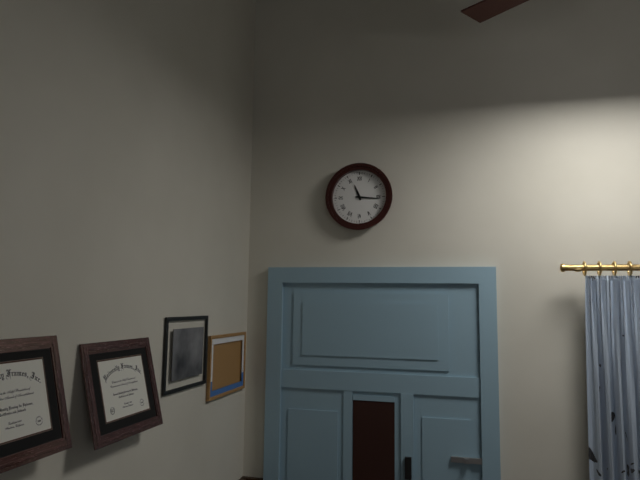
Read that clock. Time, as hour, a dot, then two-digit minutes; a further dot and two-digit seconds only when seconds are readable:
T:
11.16
